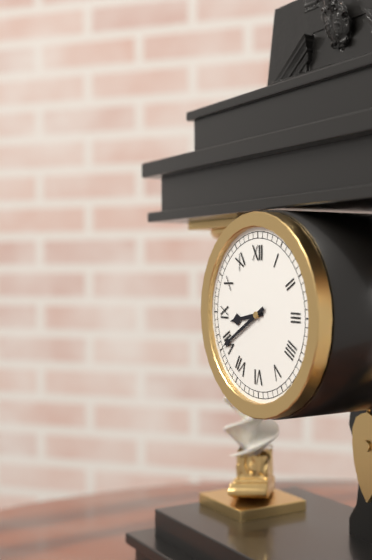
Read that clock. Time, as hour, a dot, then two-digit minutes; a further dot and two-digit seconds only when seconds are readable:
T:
8.40
